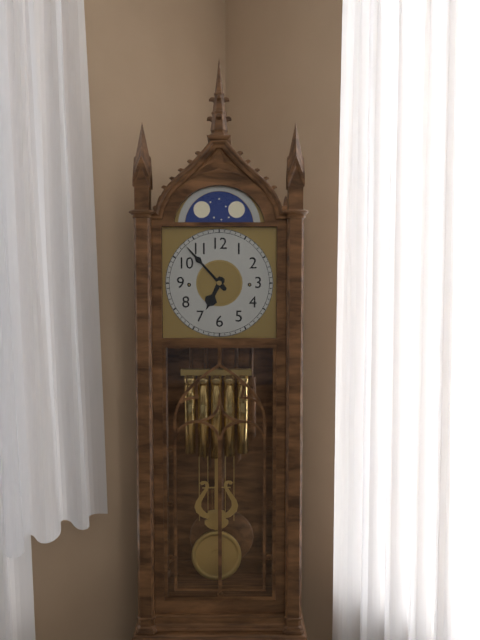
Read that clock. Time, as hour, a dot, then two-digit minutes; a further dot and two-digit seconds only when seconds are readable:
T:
6.53
